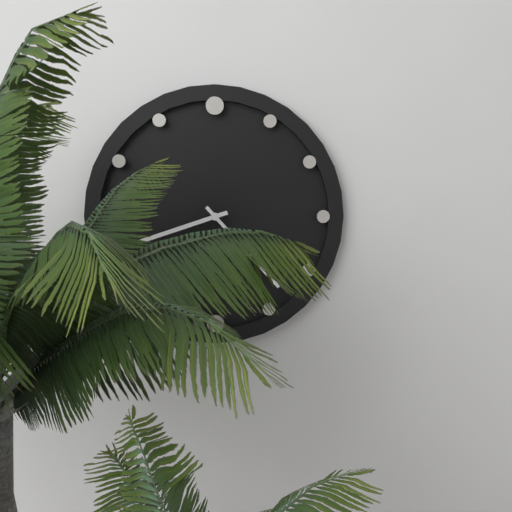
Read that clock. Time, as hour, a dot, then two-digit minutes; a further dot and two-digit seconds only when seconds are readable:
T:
8.23
